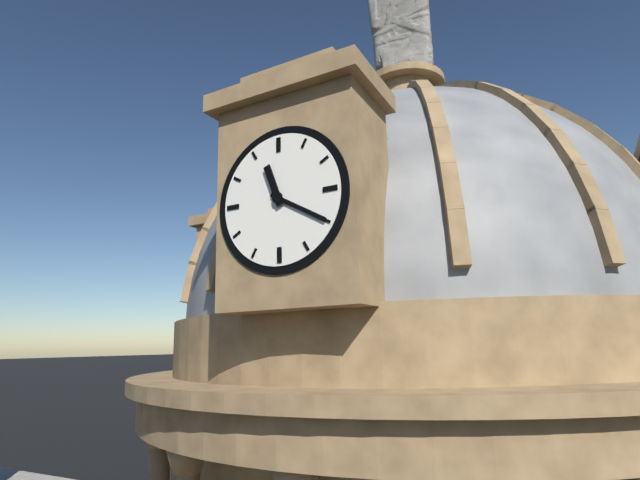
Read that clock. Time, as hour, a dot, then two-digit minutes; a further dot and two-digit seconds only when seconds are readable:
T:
11.20
